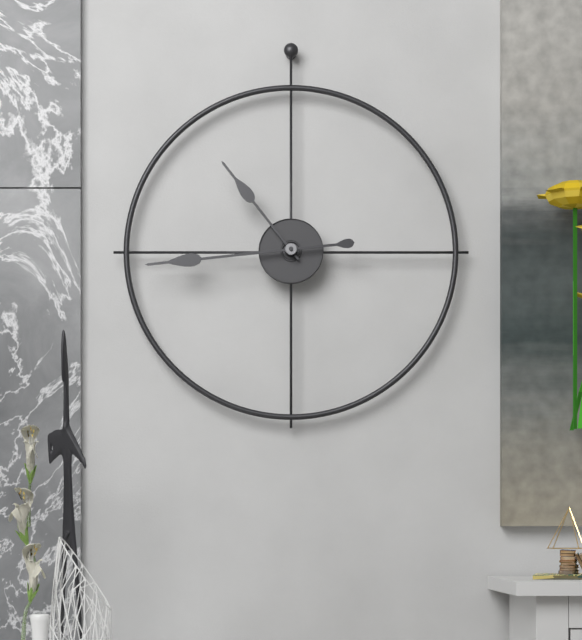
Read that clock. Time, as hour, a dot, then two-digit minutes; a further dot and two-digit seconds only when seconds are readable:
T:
10.44
